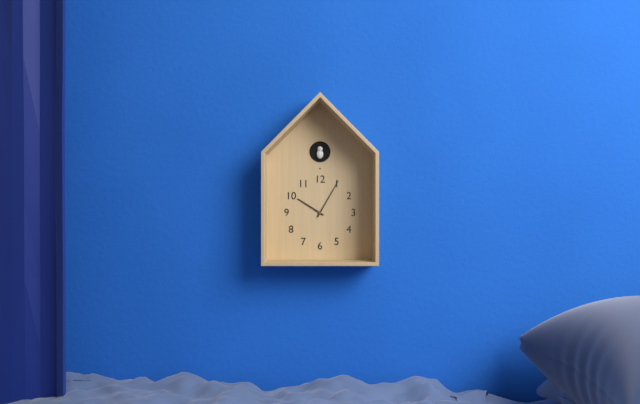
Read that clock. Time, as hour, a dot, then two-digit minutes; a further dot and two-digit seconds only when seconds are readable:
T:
10.05
